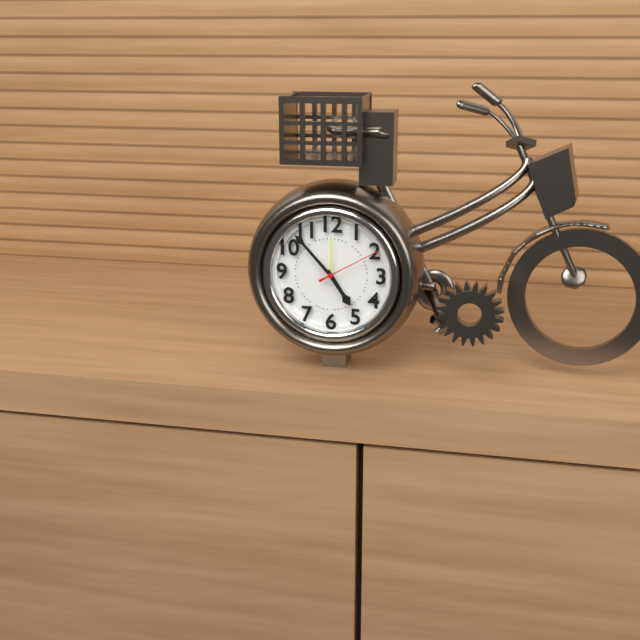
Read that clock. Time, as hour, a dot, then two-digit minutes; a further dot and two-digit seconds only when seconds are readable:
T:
4.53.10
